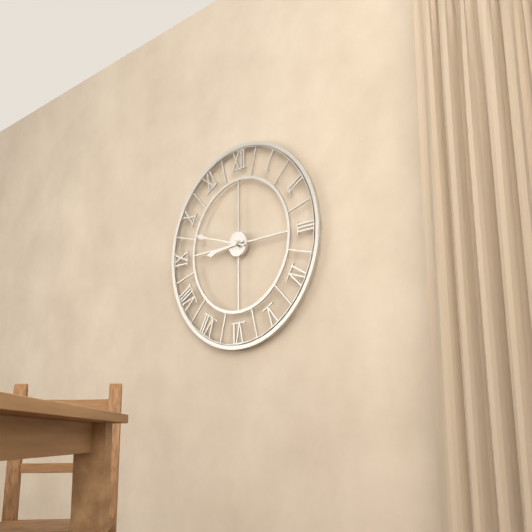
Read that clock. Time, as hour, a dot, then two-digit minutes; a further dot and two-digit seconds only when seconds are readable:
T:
8.48
